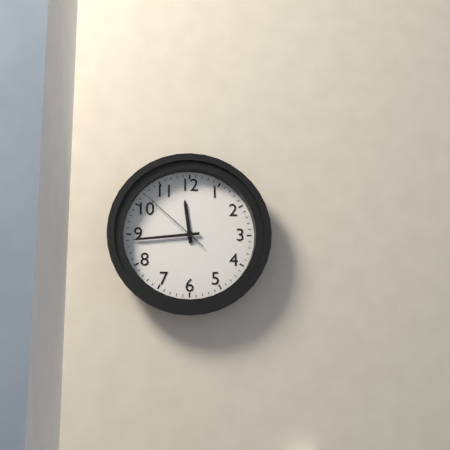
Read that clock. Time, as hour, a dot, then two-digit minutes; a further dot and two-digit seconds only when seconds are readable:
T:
11.44.52
